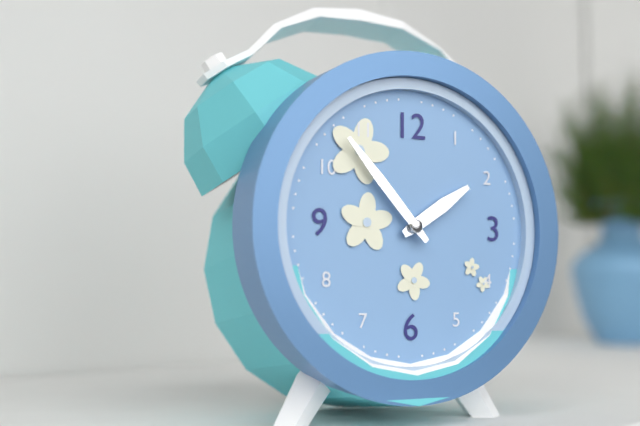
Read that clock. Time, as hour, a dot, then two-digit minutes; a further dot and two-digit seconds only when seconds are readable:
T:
1.53
